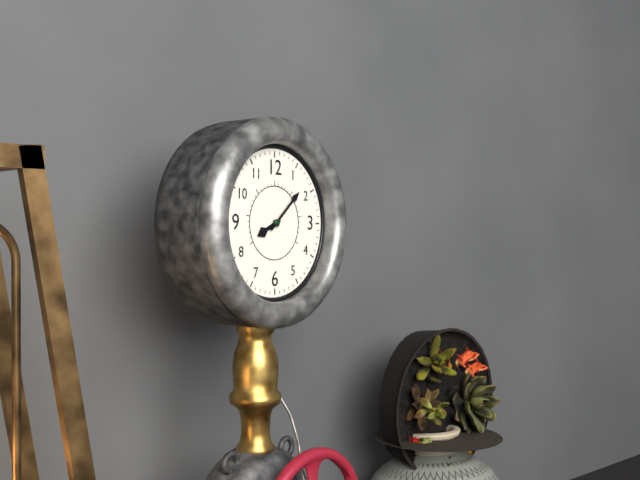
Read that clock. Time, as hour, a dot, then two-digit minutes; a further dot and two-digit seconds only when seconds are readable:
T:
8.08
